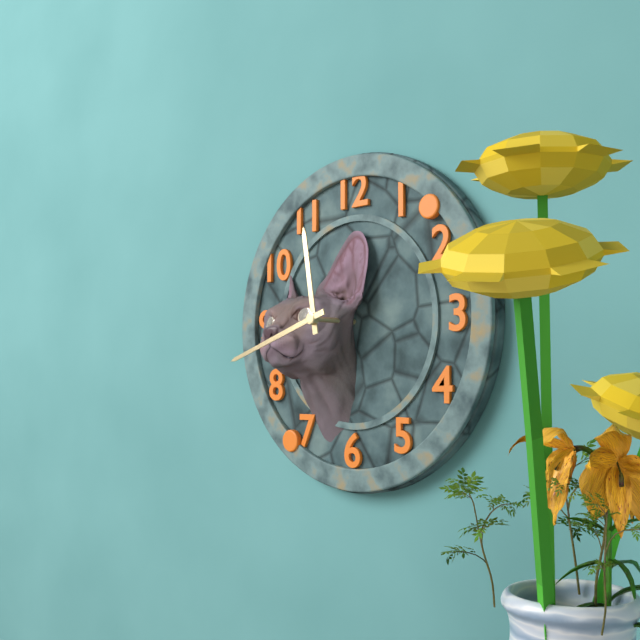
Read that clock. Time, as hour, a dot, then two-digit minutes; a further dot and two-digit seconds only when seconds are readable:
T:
11.42
